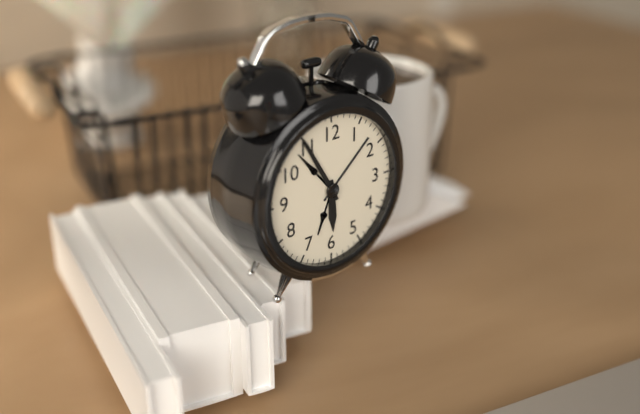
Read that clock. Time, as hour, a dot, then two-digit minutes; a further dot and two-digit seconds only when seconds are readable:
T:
5.55
